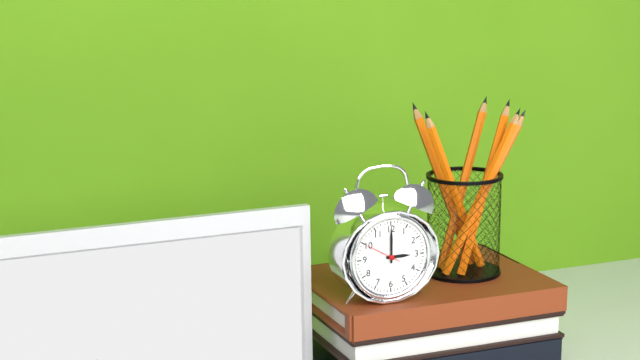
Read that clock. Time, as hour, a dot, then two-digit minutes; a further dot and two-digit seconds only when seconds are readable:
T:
3.00
